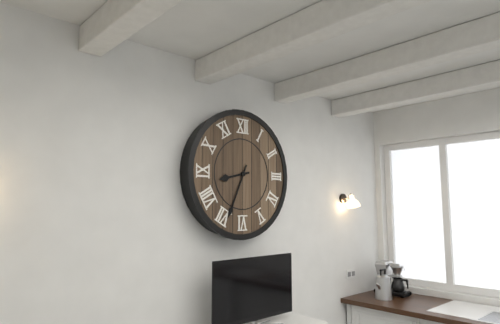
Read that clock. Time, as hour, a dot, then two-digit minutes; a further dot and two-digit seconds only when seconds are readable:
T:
8.34
